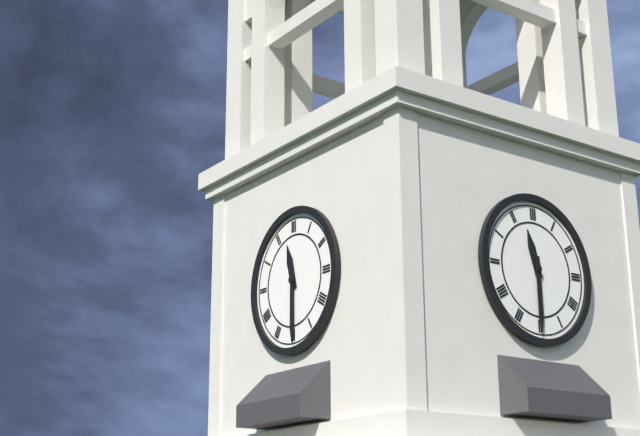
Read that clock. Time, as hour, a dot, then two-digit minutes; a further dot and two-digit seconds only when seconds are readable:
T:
11.30
